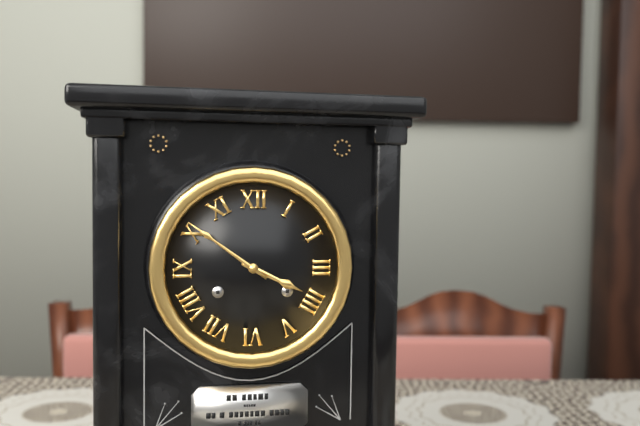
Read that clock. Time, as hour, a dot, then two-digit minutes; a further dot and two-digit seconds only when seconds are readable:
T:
3.51
